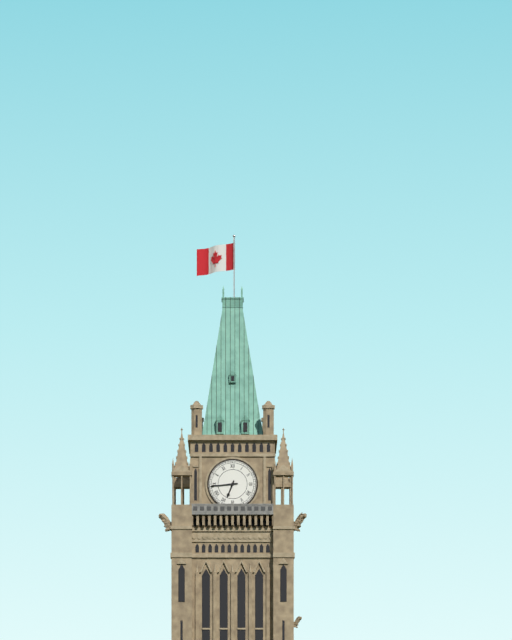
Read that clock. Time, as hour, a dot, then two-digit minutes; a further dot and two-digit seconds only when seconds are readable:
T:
6.44
